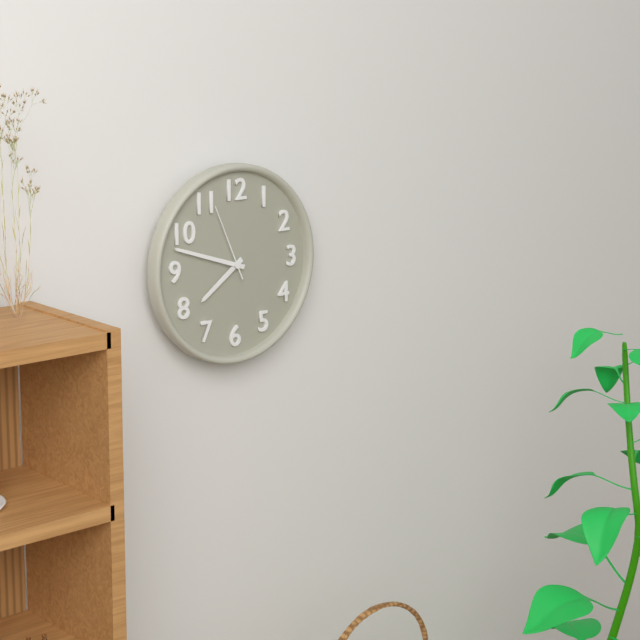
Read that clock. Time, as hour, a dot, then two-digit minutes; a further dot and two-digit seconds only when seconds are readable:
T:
7.48.56
